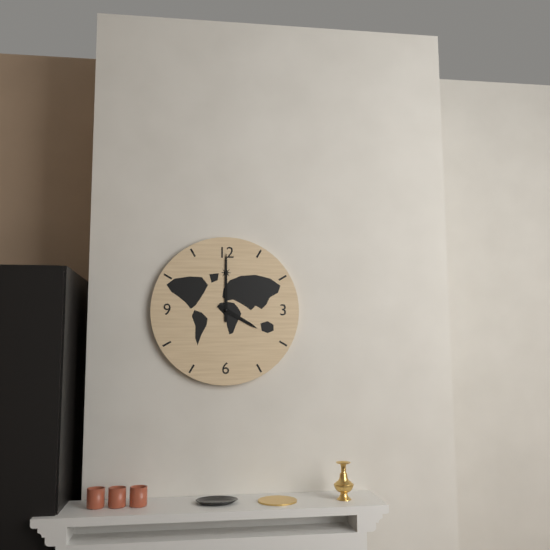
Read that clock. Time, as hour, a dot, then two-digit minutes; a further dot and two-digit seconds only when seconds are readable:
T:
4.00
